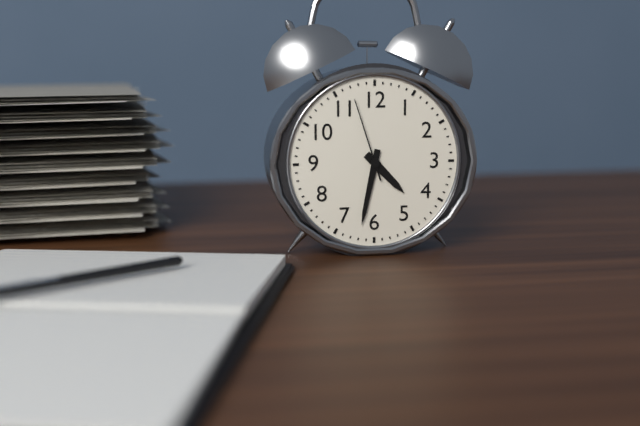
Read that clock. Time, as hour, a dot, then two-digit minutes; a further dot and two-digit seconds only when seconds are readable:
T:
4.32.57
